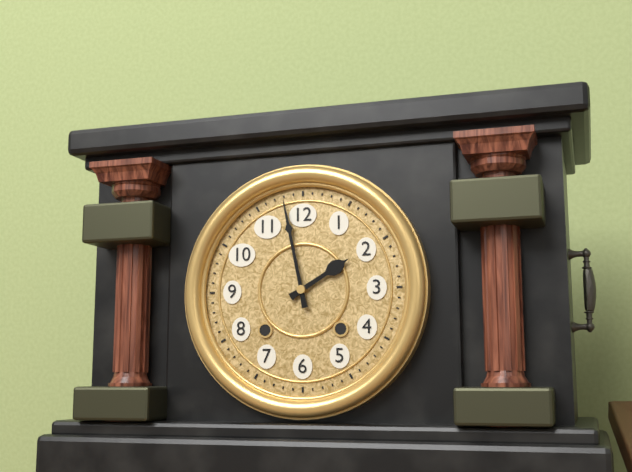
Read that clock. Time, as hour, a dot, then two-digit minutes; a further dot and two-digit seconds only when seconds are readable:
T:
1.58
